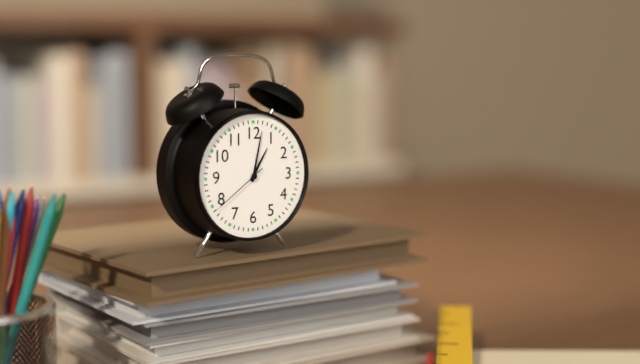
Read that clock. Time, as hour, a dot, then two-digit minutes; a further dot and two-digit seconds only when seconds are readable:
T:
1.02.39
